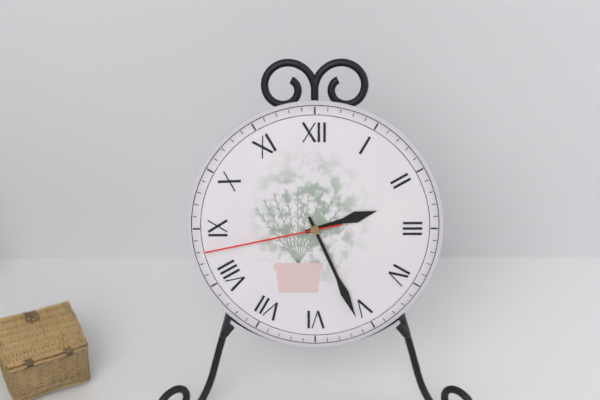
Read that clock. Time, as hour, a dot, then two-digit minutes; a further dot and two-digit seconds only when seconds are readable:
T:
2.26.43
